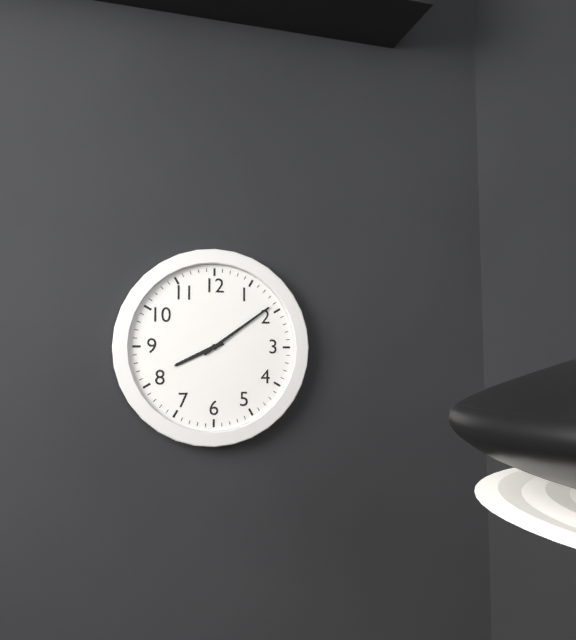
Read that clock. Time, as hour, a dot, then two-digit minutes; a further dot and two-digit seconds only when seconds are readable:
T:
8.09
